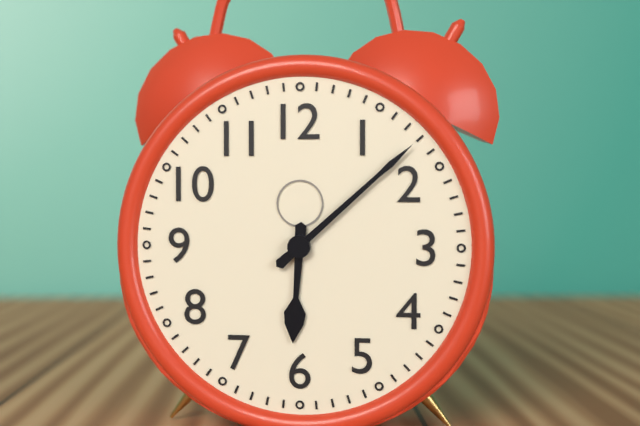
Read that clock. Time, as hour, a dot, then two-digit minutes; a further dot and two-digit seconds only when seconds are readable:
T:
6.08
